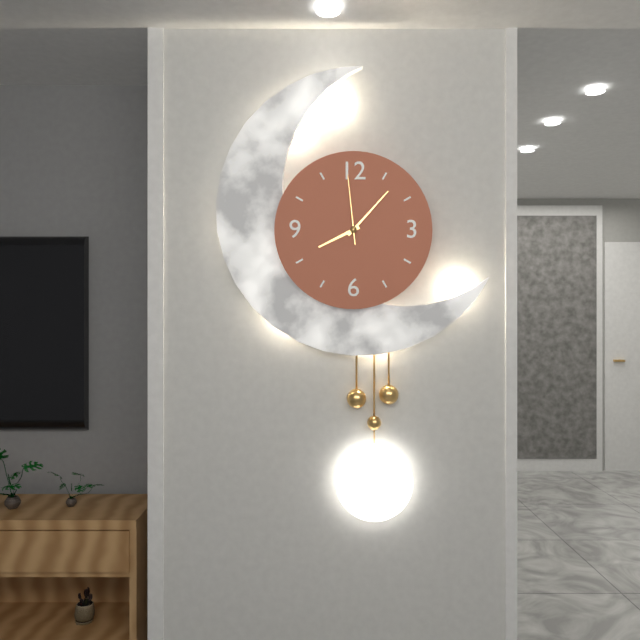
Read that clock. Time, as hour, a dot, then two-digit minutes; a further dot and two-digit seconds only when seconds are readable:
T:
8.07.59
